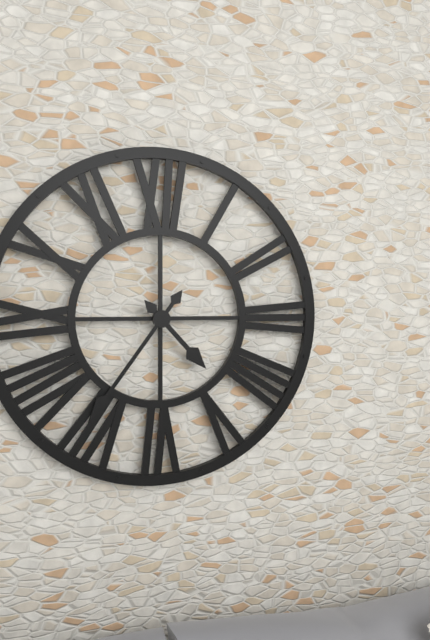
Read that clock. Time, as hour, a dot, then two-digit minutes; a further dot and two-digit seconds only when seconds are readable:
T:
4.36
